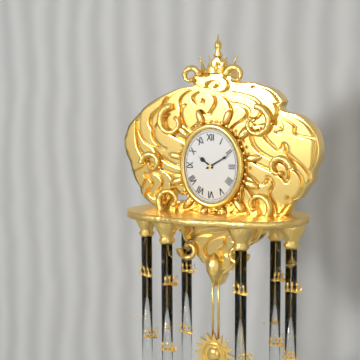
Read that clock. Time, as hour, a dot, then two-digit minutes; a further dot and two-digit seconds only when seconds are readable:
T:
10.10
